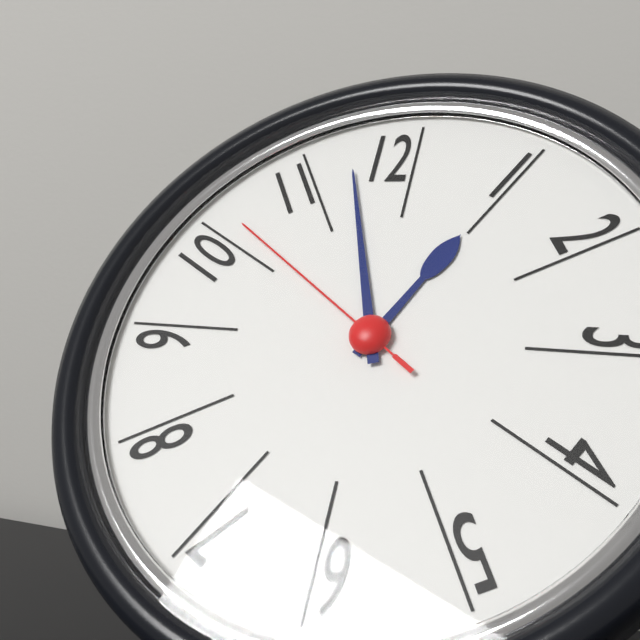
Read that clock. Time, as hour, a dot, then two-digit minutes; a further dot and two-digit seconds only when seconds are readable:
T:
12.57.51
